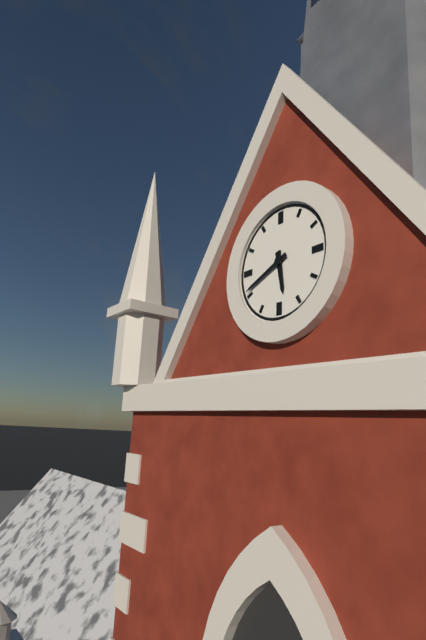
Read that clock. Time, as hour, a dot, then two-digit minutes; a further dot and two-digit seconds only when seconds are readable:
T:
5.41
